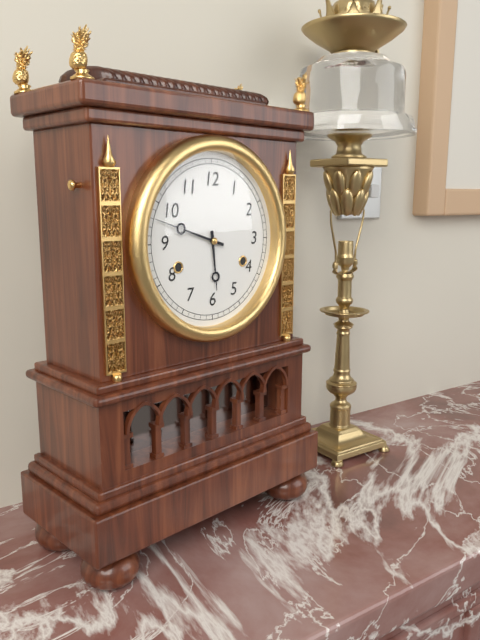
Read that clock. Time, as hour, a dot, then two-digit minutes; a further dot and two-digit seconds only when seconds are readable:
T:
5.48
